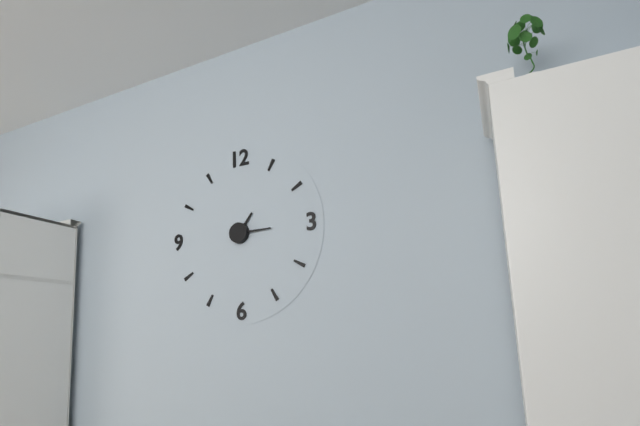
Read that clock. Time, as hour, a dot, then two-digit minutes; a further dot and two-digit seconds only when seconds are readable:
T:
1.15
